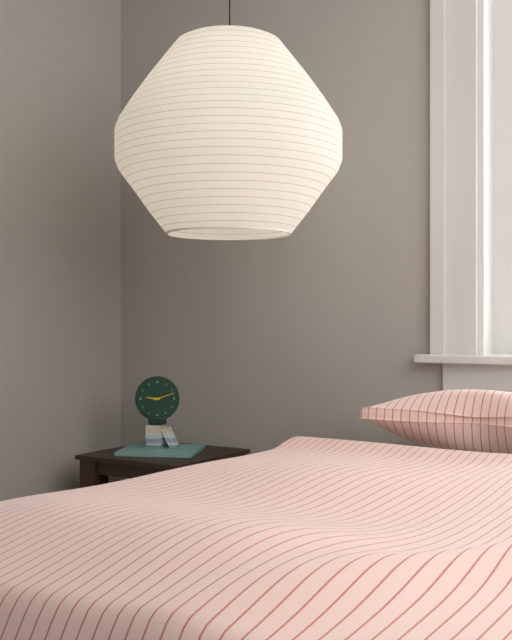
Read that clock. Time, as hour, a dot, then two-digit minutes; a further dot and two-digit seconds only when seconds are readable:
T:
9.12
